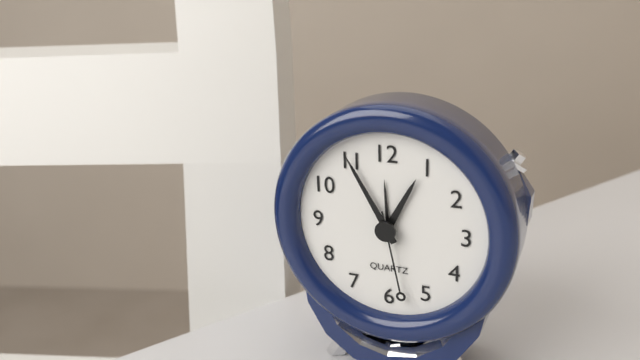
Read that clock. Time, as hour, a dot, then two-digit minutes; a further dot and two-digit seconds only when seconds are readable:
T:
12.55.28
